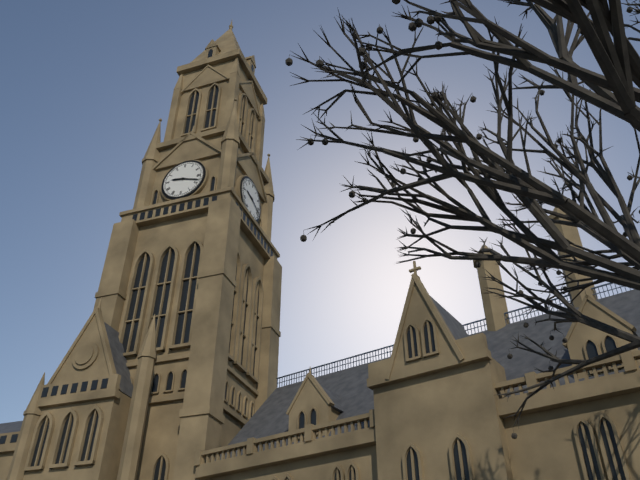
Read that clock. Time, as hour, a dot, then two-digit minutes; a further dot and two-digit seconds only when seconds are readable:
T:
9.18
